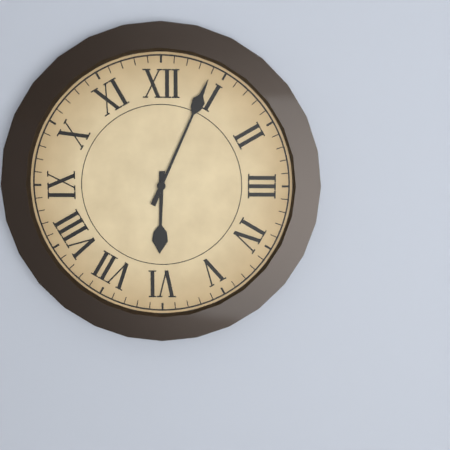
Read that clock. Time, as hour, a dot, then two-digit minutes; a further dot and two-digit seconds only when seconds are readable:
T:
6.04
